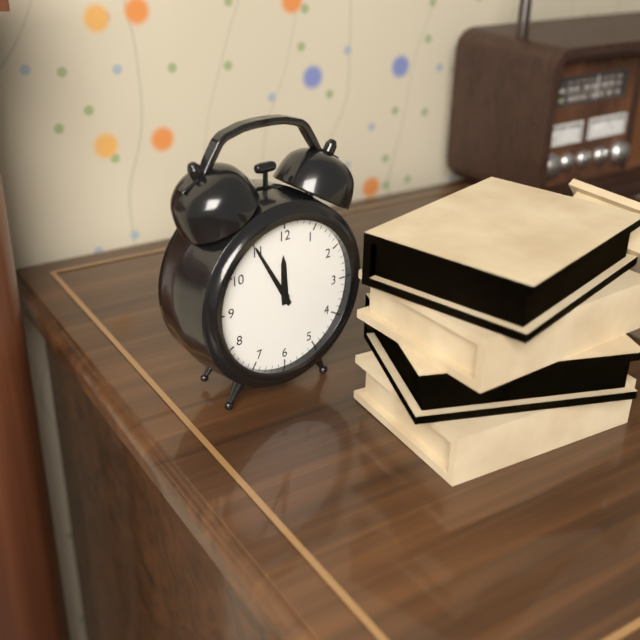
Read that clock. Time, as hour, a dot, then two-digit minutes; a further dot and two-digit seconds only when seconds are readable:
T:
11.55
